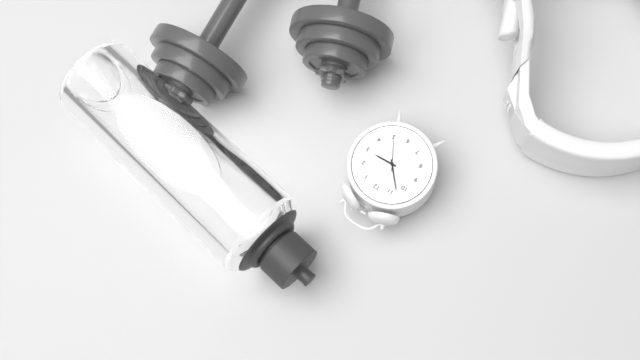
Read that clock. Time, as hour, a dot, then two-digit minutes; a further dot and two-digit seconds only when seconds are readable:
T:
2.53
